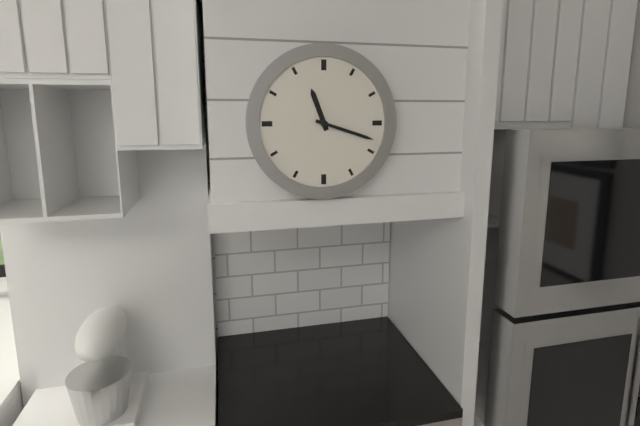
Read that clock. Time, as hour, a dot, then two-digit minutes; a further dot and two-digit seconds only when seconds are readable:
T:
11.18
